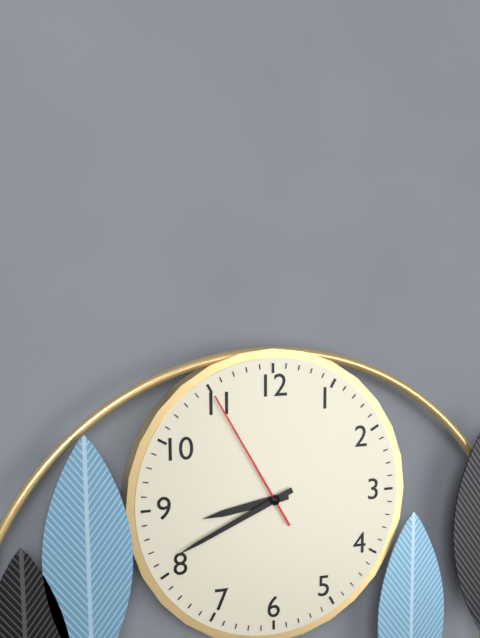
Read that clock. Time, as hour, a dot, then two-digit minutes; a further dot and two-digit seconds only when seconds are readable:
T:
8.41.55
